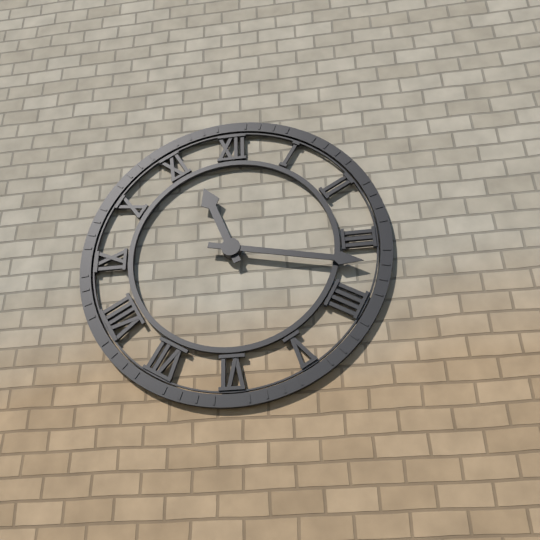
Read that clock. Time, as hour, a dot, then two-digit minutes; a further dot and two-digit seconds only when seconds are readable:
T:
11.17
